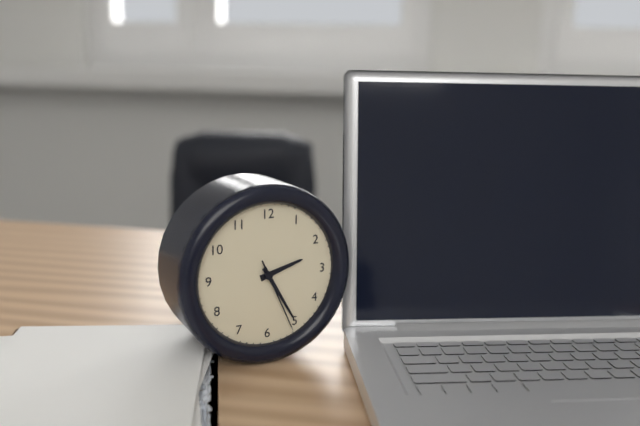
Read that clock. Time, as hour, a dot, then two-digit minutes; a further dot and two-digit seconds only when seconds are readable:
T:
2.25.26
